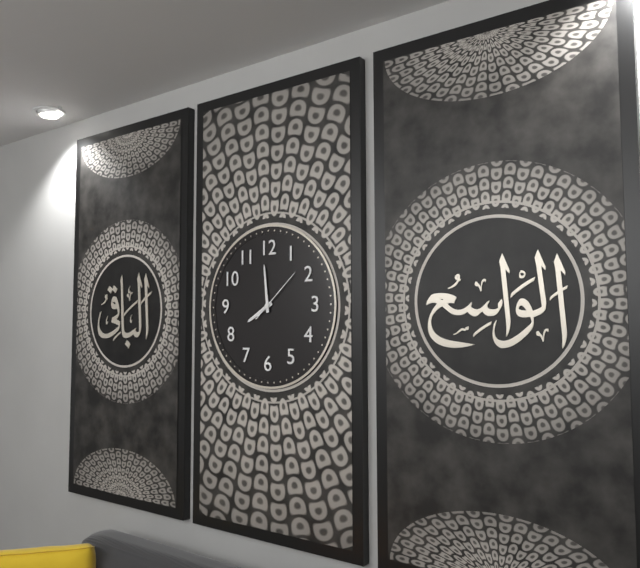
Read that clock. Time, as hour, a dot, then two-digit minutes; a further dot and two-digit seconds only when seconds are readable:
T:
7.59.08
